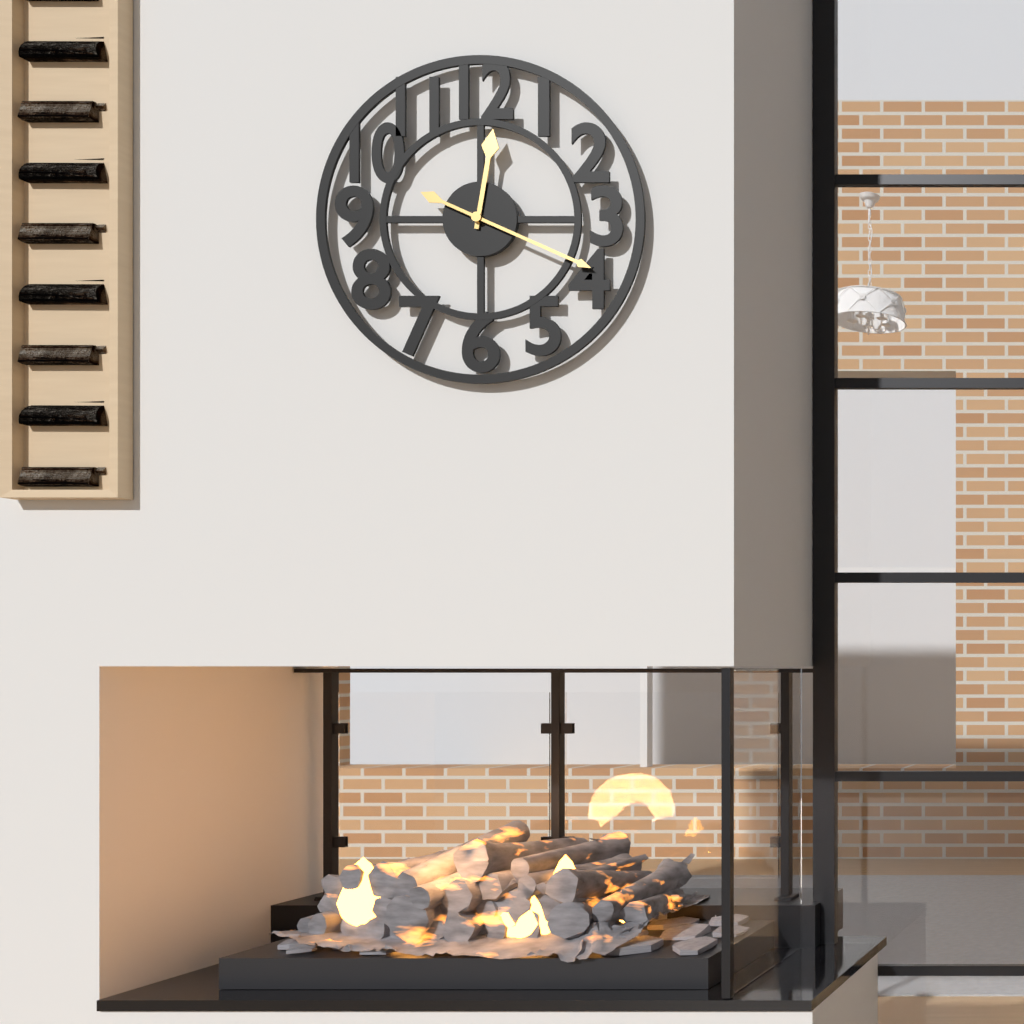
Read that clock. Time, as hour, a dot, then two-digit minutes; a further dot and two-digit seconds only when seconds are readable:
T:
12.19
